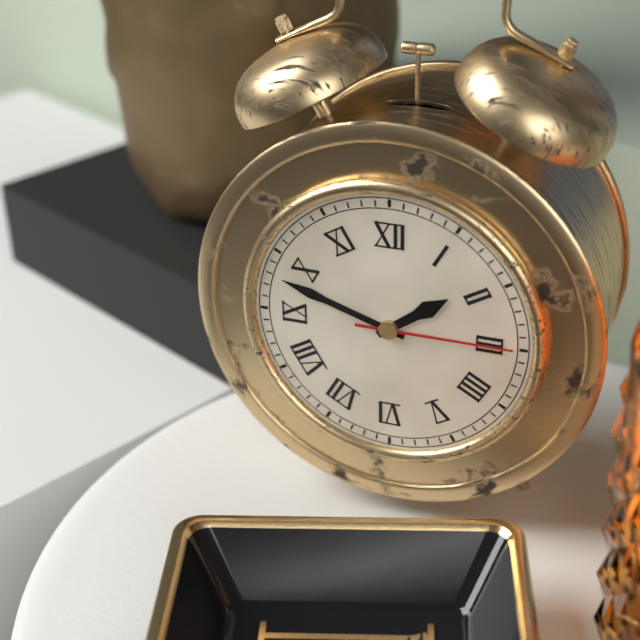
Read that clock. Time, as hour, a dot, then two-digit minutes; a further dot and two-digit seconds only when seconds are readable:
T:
1.48.15
